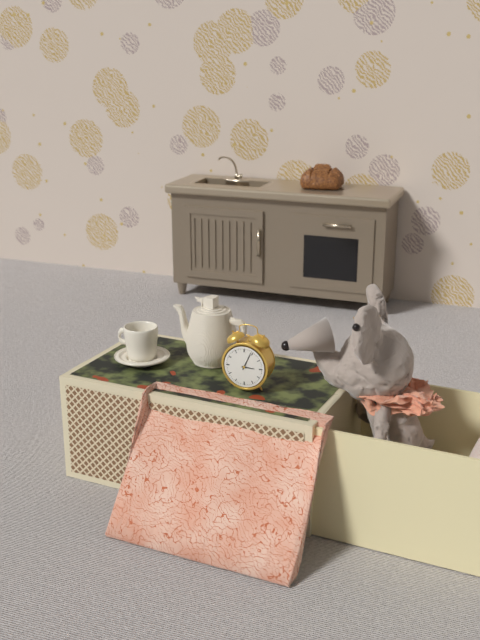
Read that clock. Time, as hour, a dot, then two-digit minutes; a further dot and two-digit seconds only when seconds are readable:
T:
3.04
